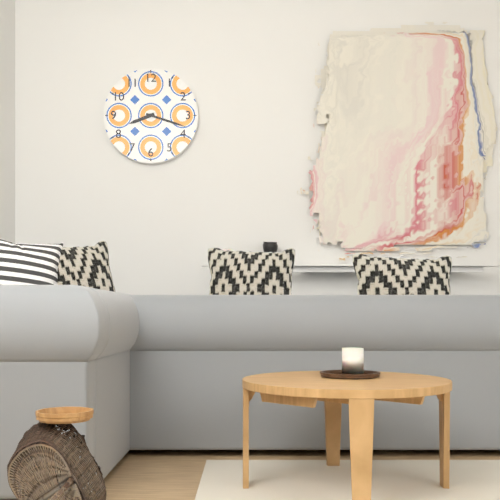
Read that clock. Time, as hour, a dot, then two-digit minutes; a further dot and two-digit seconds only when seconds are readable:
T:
8.18
